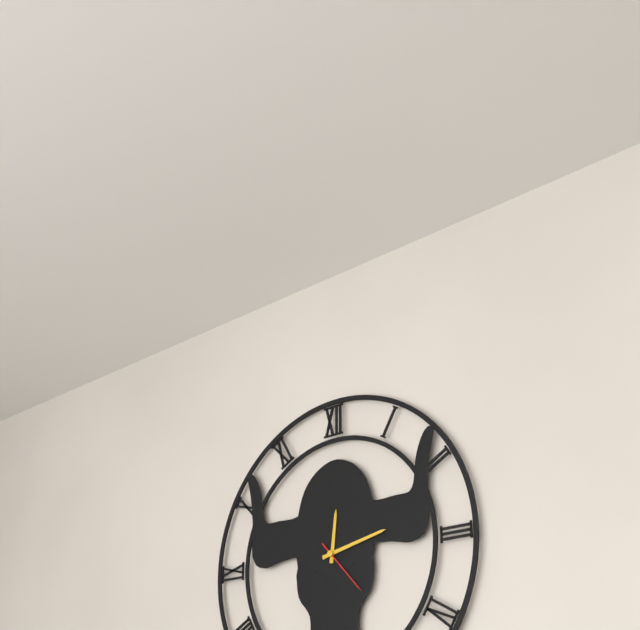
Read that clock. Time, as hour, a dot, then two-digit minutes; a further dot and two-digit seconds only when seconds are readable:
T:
12.13.23
